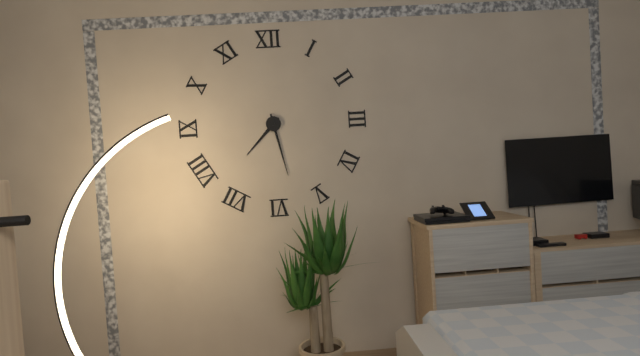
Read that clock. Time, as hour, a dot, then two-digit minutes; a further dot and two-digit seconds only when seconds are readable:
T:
7.28
